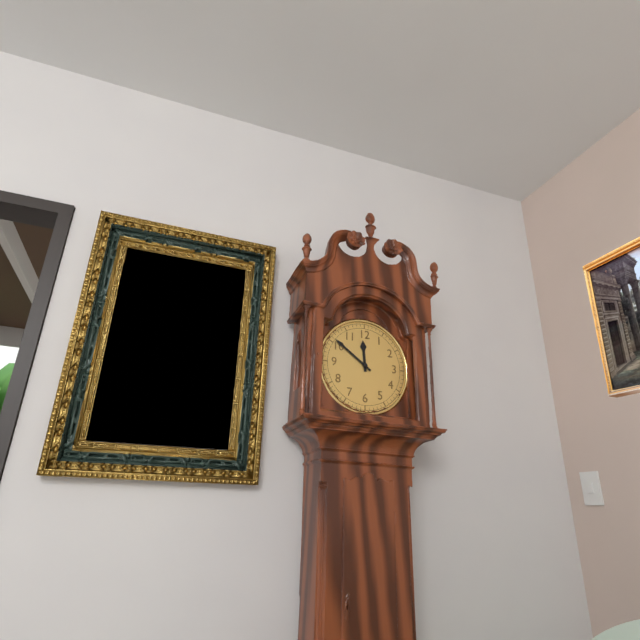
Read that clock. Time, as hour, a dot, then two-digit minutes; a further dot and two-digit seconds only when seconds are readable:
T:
11.51
